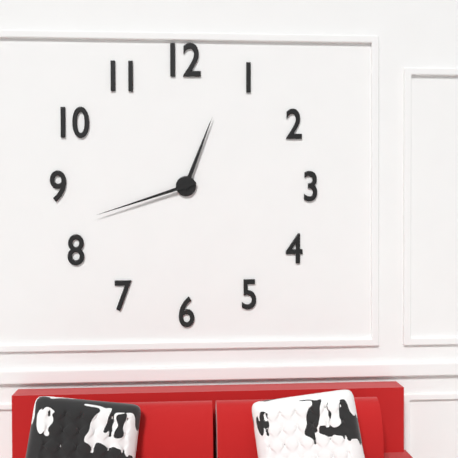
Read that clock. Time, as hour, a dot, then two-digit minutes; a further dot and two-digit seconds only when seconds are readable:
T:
12.42
